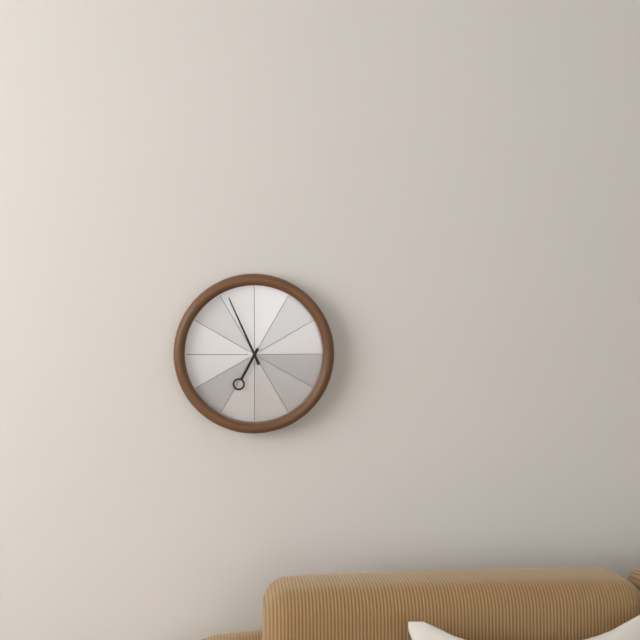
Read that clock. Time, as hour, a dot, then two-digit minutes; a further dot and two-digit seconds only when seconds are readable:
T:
6.56
